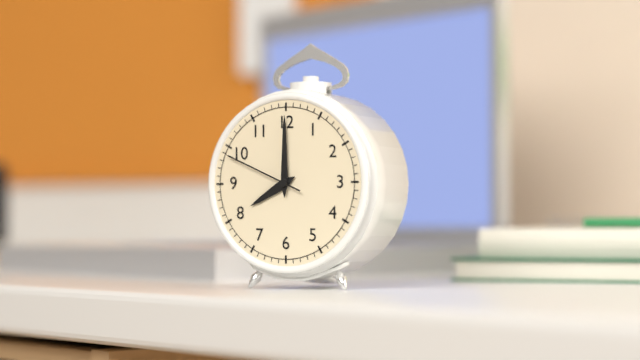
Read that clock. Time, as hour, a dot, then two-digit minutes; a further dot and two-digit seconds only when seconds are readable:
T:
8.00.49
